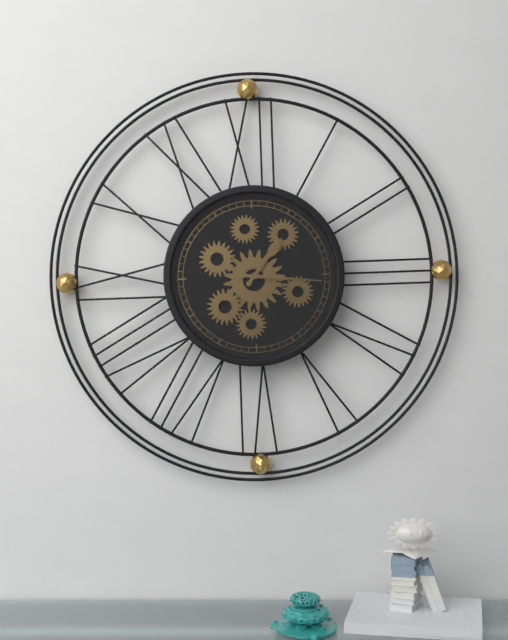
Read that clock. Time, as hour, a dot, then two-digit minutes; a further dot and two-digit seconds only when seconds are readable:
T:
1.16
